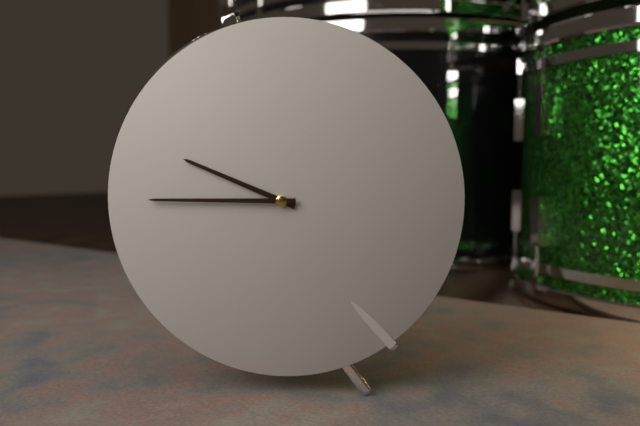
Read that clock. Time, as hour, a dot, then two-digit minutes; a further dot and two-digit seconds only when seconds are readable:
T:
9.45
